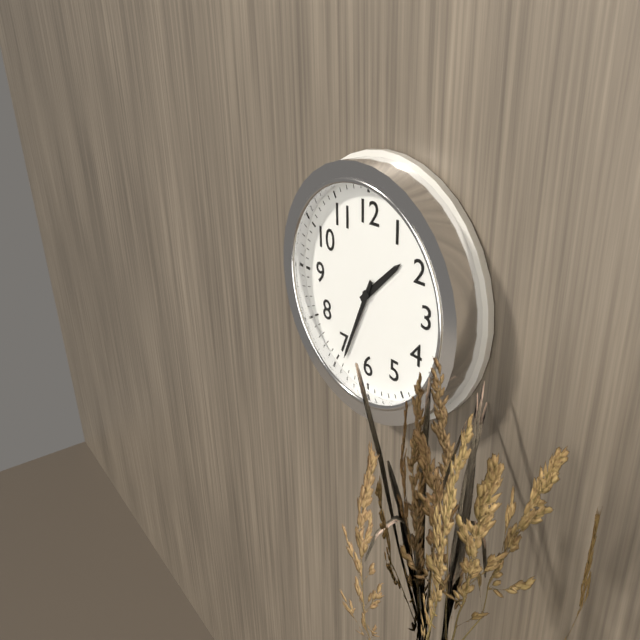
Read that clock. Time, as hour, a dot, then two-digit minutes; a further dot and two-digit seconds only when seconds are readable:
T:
1.34
